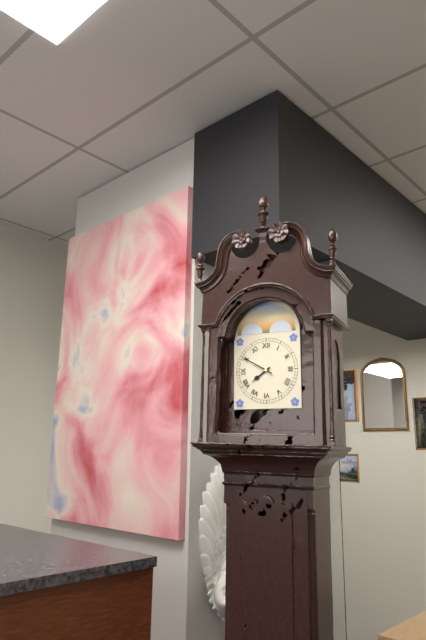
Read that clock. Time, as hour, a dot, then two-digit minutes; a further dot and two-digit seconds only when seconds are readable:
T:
7.50
